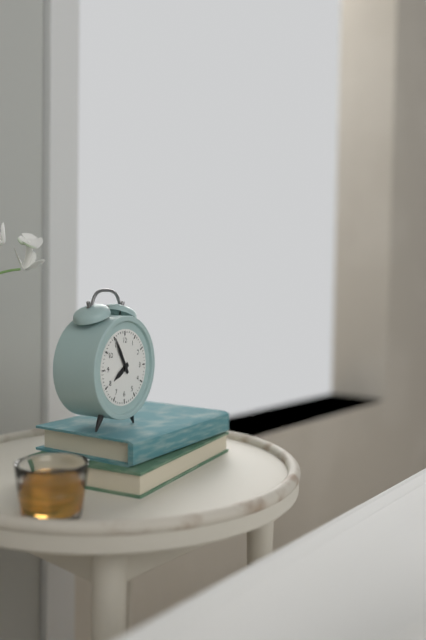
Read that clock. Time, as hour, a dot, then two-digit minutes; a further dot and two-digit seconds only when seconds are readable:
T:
7.55
